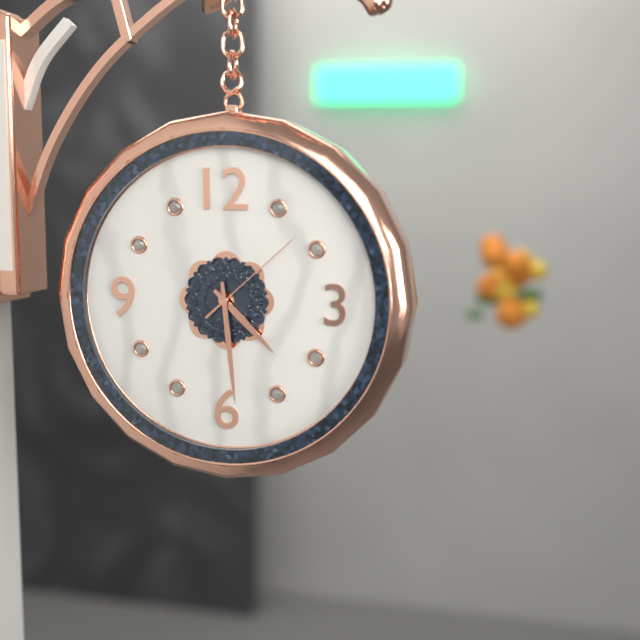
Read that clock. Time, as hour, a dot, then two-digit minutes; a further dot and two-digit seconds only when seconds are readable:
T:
4.29.08
